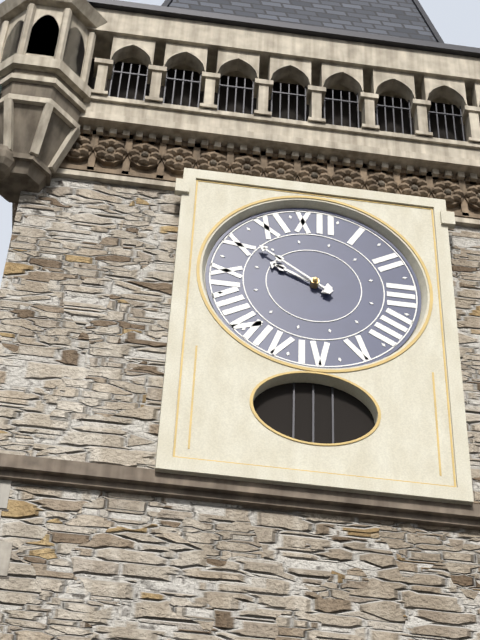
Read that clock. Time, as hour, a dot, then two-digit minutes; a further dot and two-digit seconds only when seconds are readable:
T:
9.51
